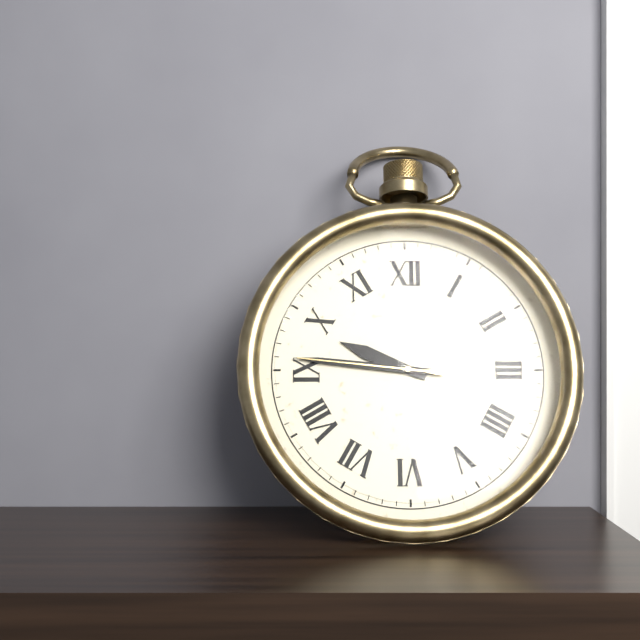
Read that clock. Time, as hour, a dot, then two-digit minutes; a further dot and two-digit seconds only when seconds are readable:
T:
9.46.46
